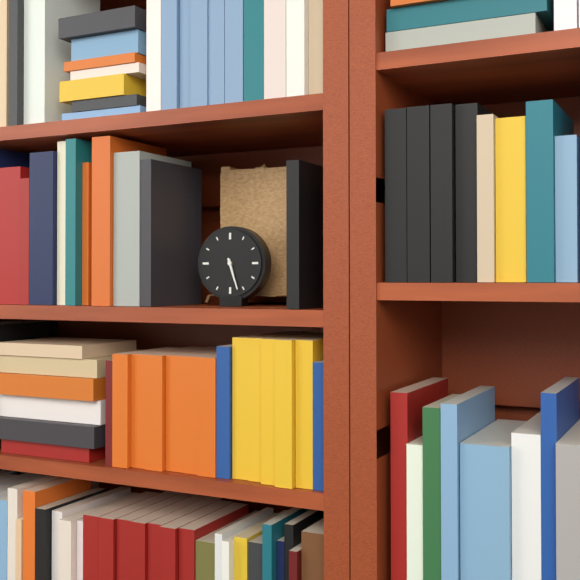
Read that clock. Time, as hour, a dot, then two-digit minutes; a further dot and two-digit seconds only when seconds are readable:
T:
5.27
